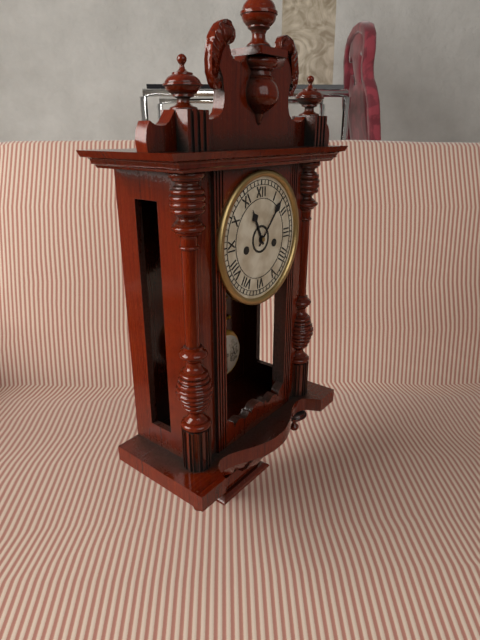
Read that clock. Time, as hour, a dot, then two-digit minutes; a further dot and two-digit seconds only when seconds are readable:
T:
11.07
